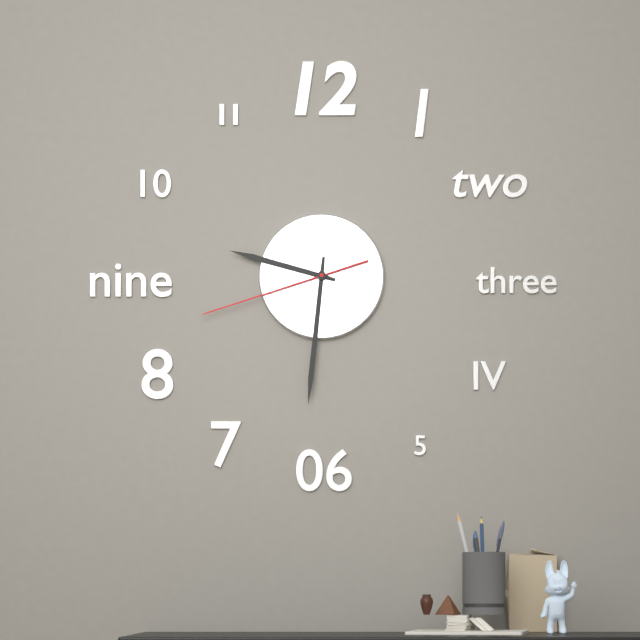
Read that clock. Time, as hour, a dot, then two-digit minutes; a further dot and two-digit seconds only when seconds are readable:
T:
9.31.42
